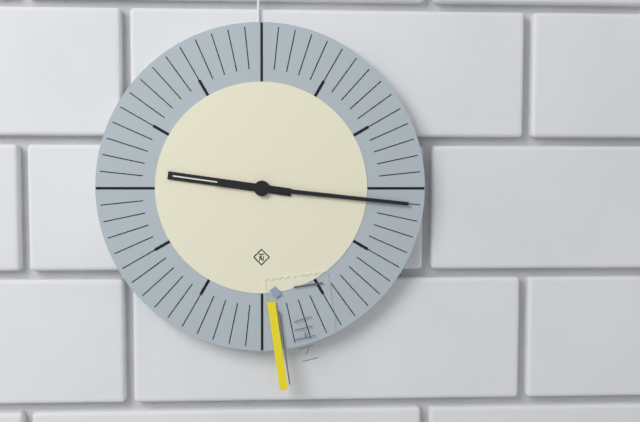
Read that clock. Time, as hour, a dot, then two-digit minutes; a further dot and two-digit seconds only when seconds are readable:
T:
9.16
